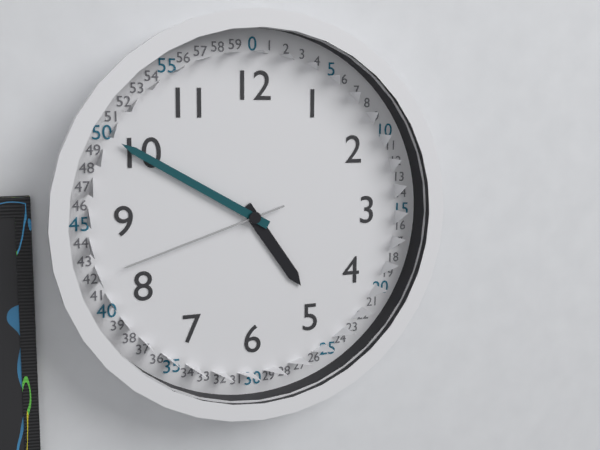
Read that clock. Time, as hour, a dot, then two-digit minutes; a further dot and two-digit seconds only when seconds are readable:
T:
4.50.42
